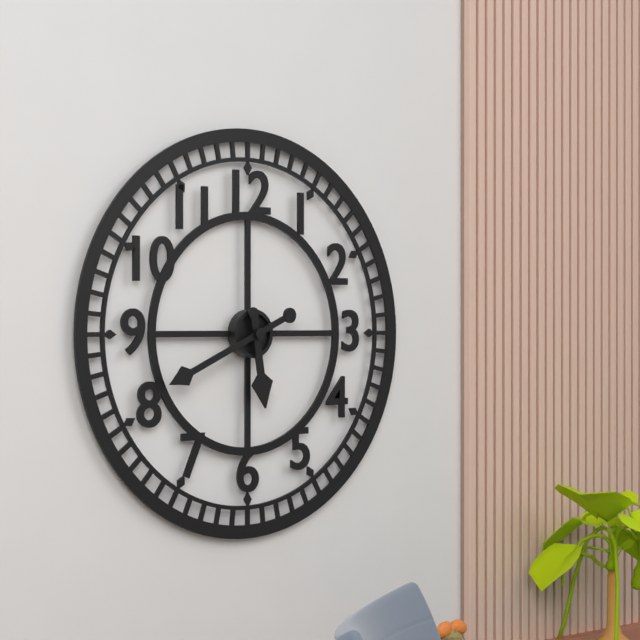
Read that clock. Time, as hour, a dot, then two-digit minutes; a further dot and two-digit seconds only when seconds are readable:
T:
5.41
